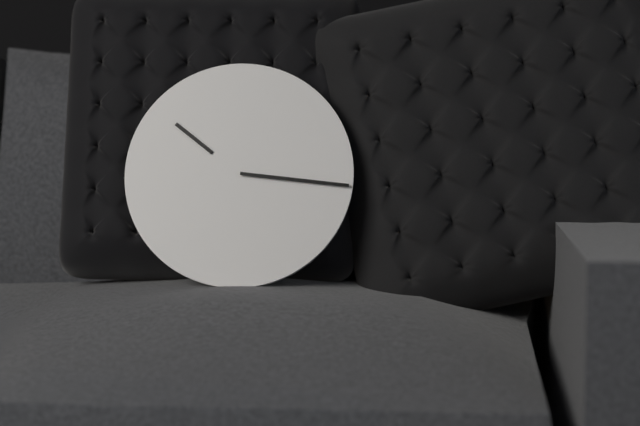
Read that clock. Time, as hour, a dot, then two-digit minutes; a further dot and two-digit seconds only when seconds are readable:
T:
10.16
